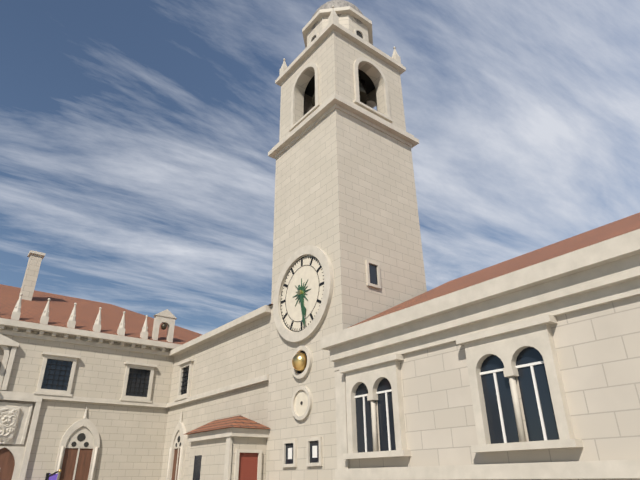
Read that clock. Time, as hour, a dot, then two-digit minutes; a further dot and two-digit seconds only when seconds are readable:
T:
5.28
